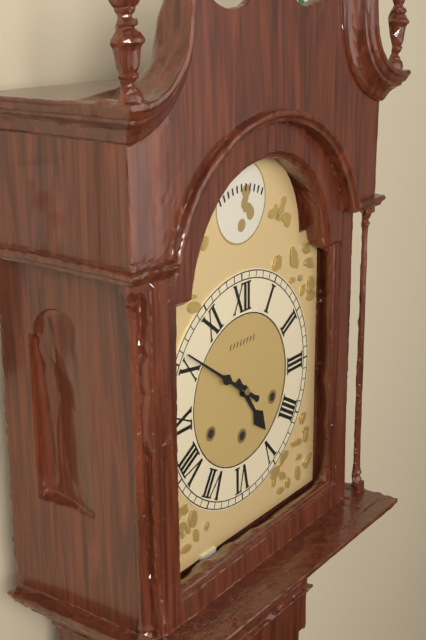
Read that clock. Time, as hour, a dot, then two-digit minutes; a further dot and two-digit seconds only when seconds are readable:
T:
4.51
